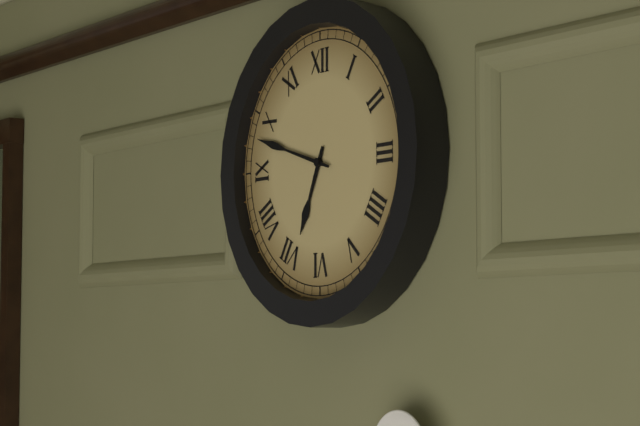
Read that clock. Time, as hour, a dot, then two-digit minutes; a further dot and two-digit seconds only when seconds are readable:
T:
6.48
